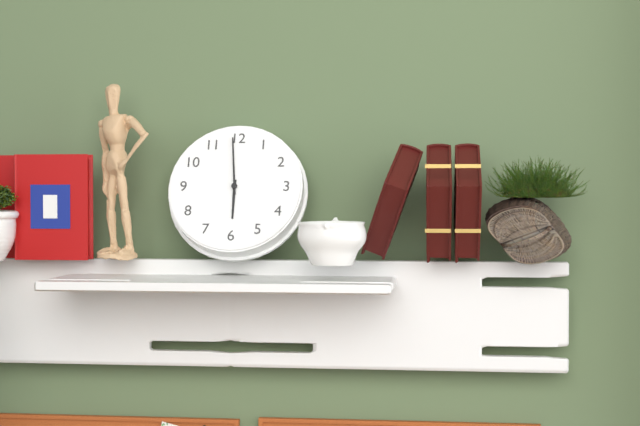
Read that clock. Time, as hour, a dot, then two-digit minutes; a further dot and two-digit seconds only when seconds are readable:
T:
5.59
